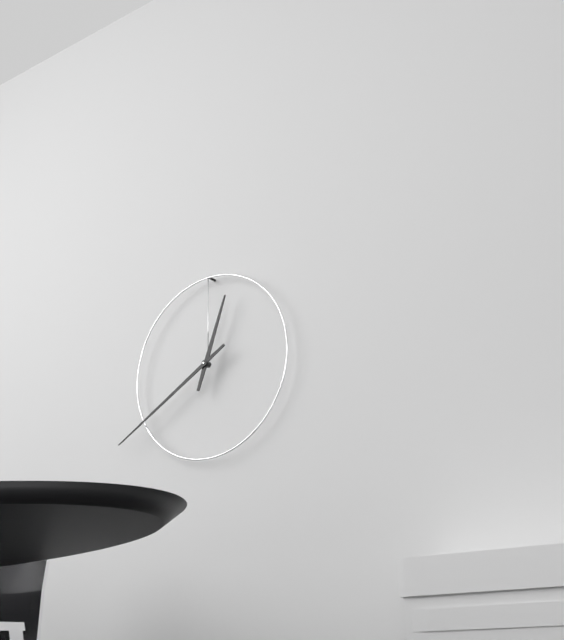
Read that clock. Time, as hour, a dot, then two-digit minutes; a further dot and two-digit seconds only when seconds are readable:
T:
12.40
